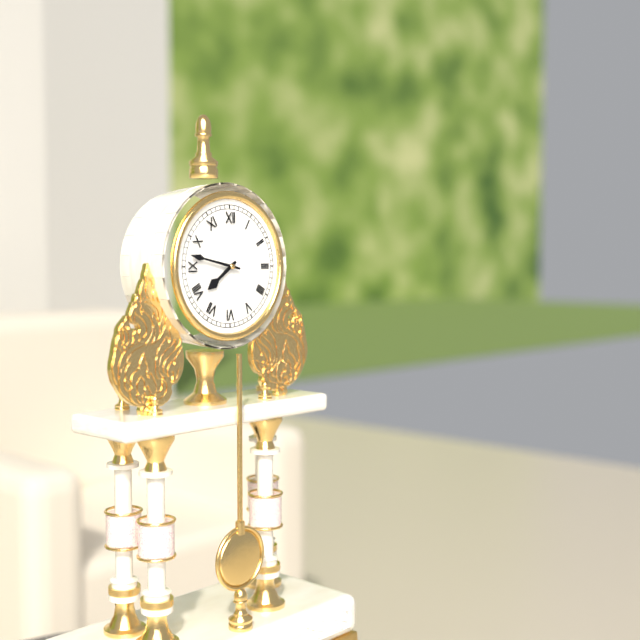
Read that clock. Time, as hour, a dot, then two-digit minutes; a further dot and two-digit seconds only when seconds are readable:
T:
7.47
